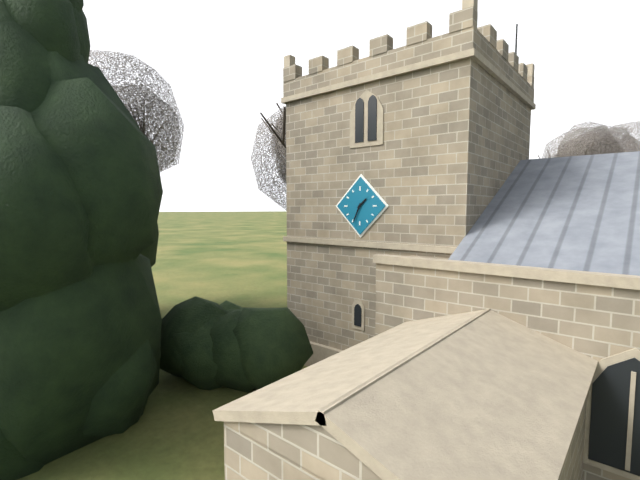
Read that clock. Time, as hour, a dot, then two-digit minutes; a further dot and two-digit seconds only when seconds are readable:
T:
1.34
